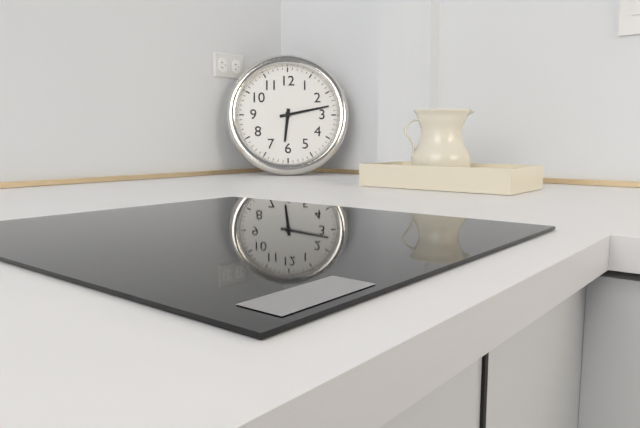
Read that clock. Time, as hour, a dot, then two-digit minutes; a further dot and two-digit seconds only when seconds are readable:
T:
6.13
